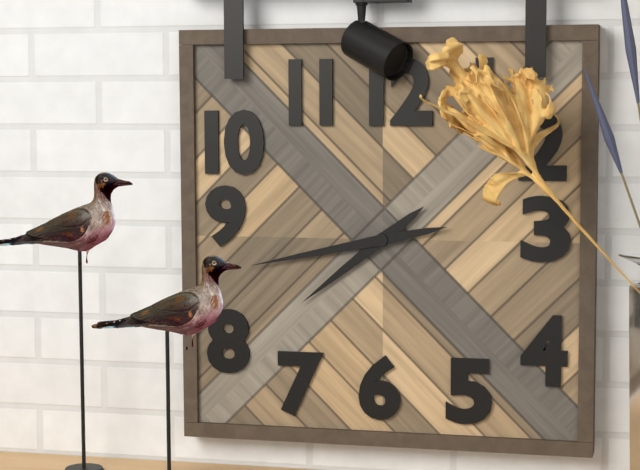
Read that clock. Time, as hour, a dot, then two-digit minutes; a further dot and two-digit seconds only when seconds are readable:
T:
7.43
